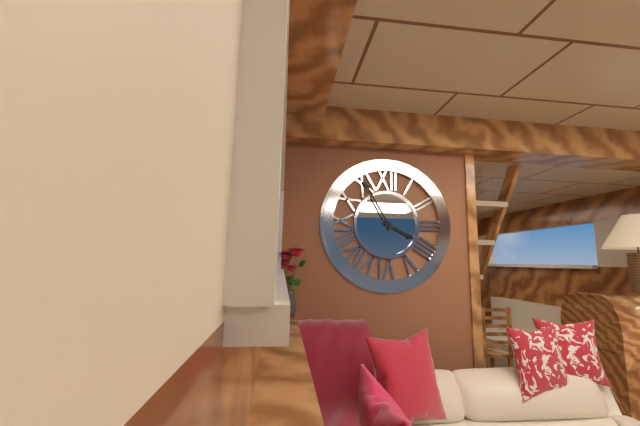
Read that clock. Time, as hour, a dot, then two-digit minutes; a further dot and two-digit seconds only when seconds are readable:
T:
3.55
